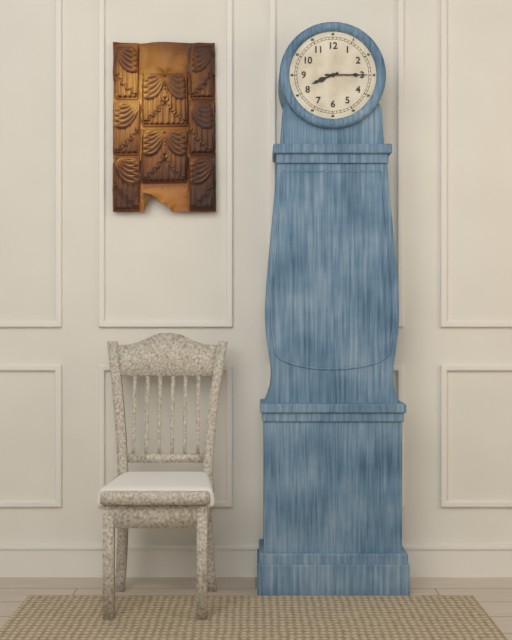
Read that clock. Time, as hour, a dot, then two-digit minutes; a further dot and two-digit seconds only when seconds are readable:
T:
8.15
